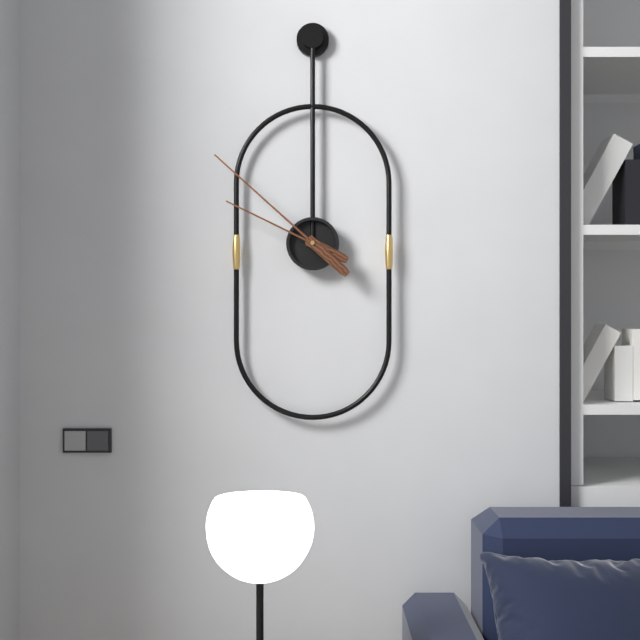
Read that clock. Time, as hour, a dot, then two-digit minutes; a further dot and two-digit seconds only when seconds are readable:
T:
9.52
